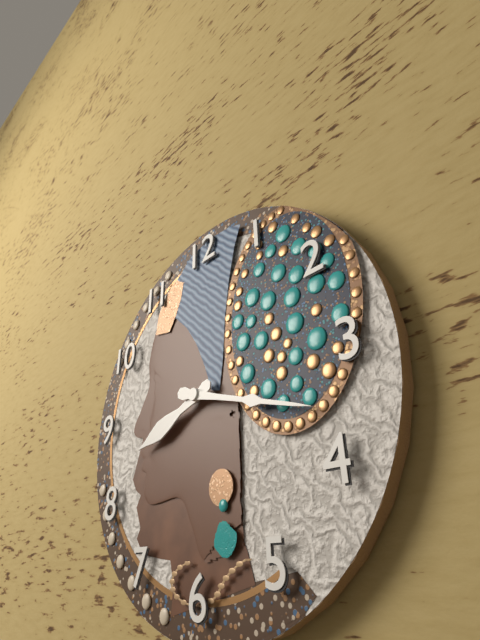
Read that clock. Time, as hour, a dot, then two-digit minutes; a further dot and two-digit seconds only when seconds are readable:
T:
8.18
